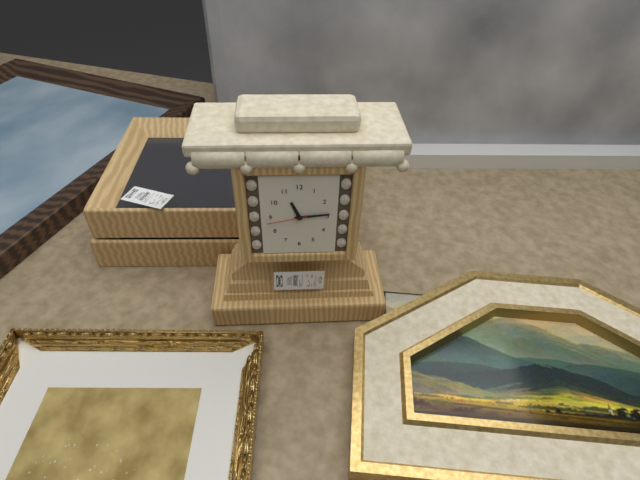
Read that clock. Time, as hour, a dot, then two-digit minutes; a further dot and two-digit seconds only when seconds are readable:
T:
11.14
